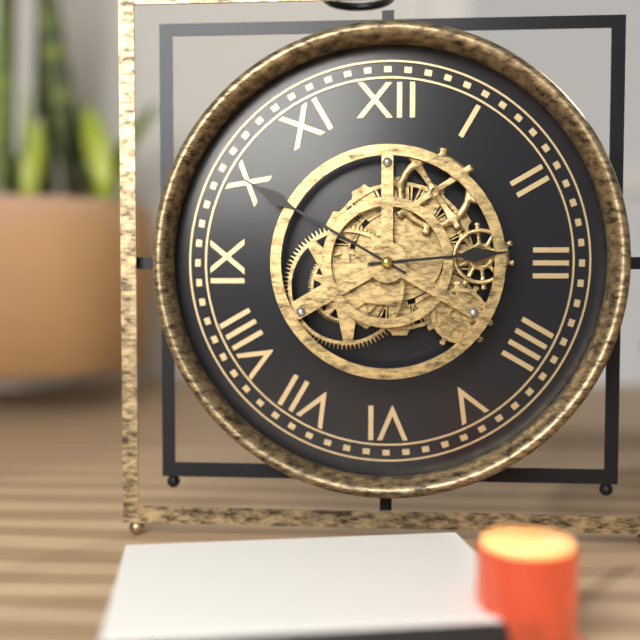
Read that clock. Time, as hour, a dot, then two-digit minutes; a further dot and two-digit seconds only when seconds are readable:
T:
2.50
